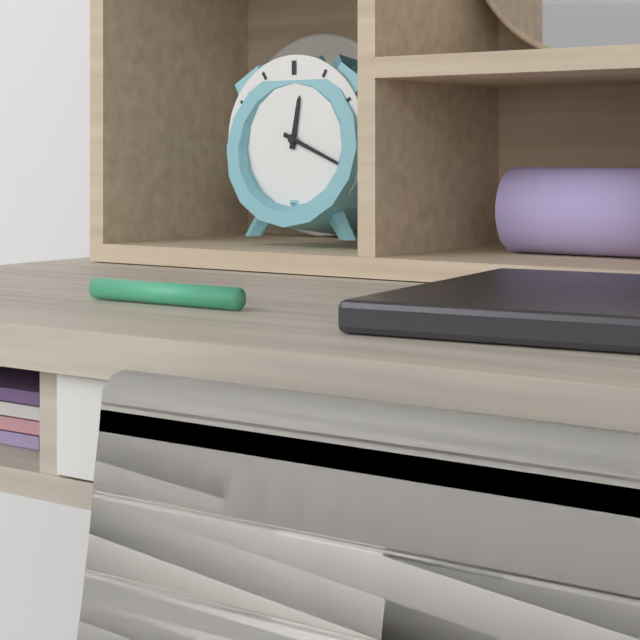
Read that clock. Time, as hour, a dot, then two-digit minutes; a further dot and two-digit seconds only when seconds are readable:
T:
12.19
